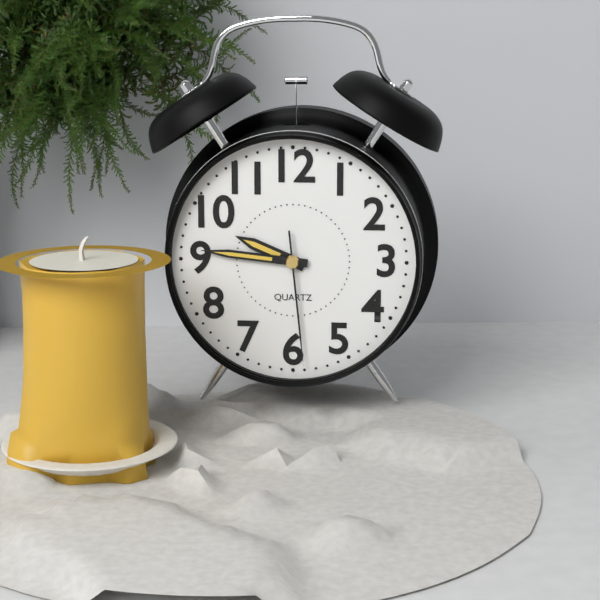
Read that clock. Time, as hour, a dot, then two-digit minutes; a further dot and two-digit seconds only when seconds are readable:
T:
9.46.29
